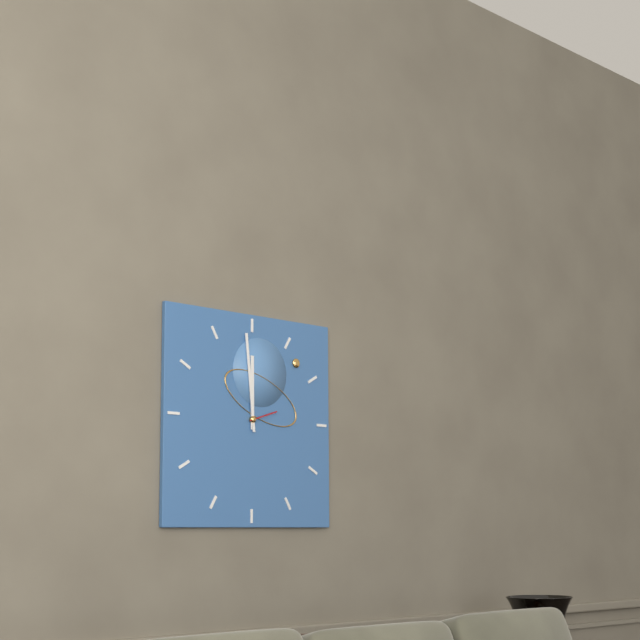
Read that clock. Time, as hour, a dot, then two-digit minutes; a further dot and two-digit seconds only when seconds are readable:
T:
11.59
